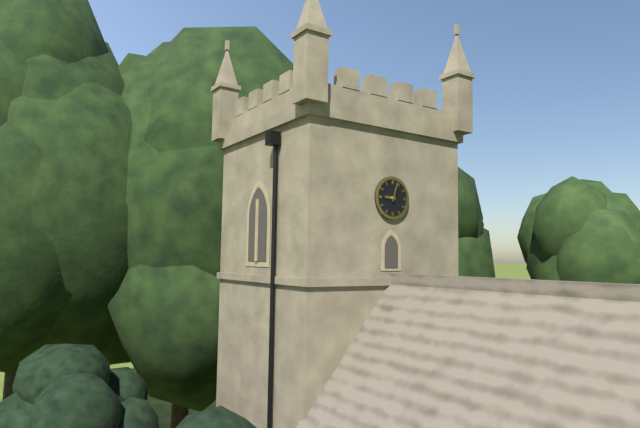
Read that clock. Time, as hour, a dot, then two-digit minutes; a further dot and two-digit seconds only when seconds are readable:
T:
9.03
